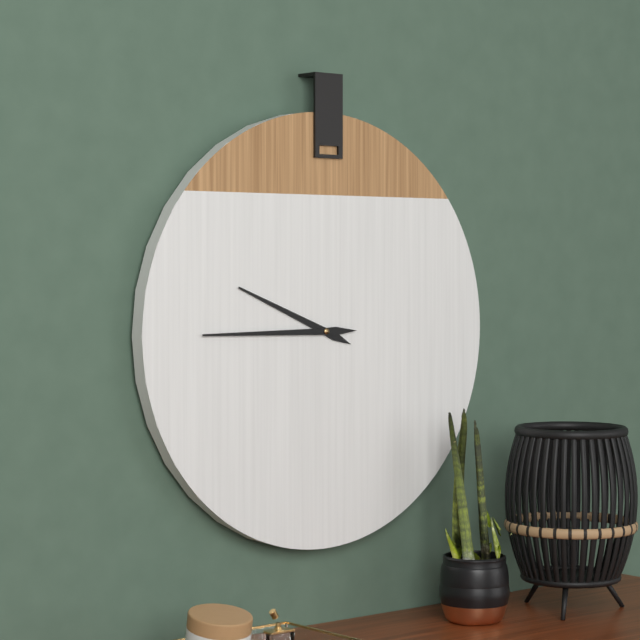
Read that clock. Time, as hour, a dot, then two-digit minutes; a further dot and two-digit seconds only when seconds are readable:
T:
9.45
